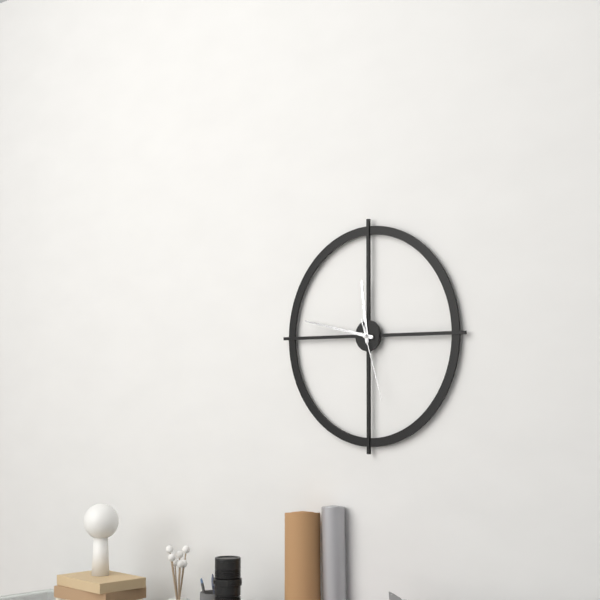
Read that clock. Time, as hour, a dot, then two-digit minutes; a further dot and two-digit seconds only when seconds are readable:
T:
11.47.27
